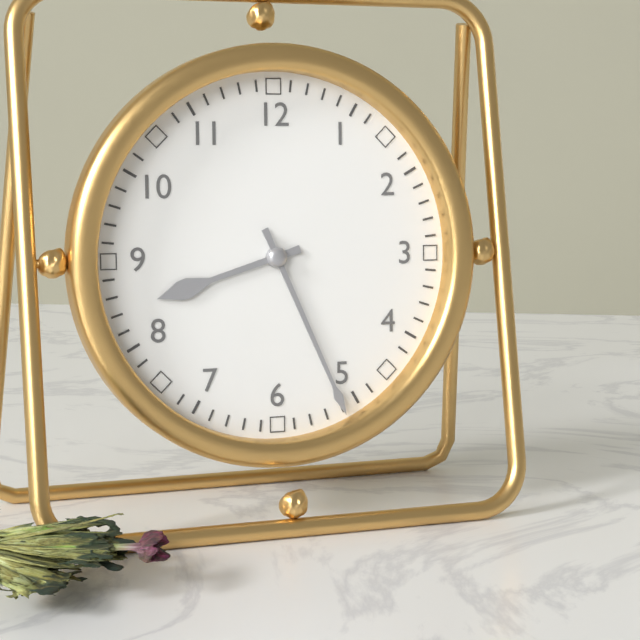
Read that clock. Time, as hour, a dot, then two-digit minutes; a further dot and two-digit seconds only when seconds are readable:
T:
8.26
